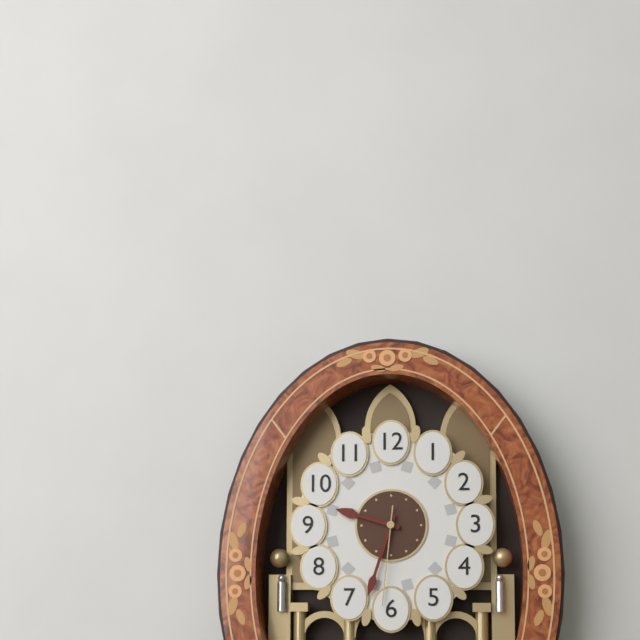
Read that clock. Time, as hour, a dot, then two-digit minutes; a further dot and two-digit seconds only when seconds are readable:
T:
9.33.31
